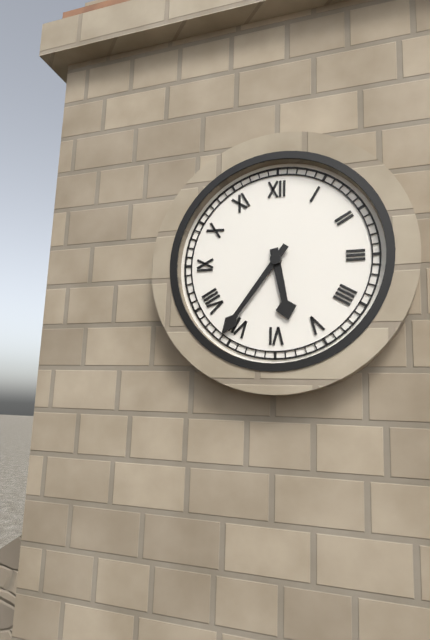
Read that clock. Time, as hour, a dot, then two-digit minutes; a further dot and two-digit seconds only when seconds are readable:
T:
5.36
